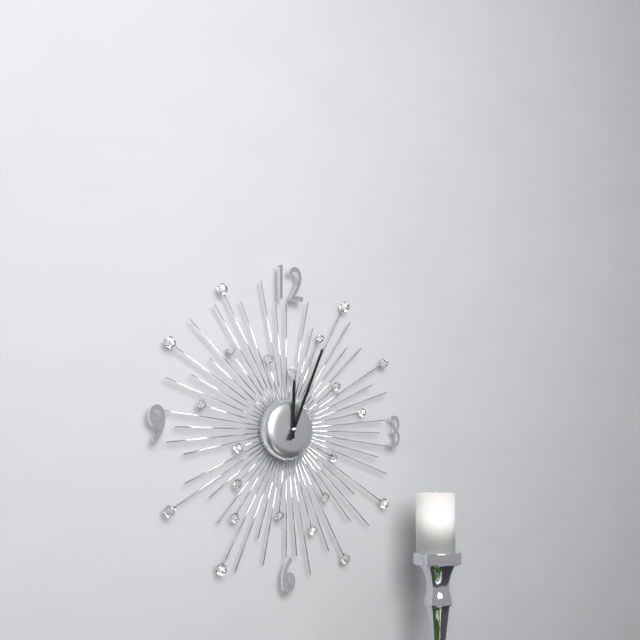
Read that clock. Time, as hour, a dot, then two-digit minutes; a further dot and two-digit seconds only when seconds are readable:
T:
12.04
